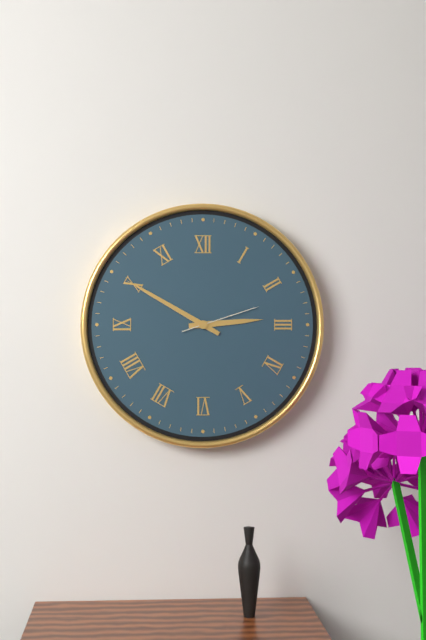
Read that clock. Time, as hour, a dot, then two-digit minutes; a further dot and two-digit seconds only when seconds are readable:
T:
2.50.12
